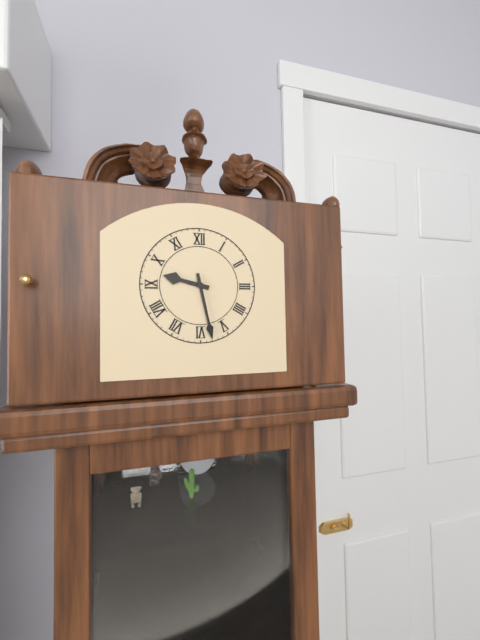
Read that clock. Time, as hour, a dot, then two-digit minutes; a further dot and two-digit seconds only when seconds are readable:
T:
9.28
